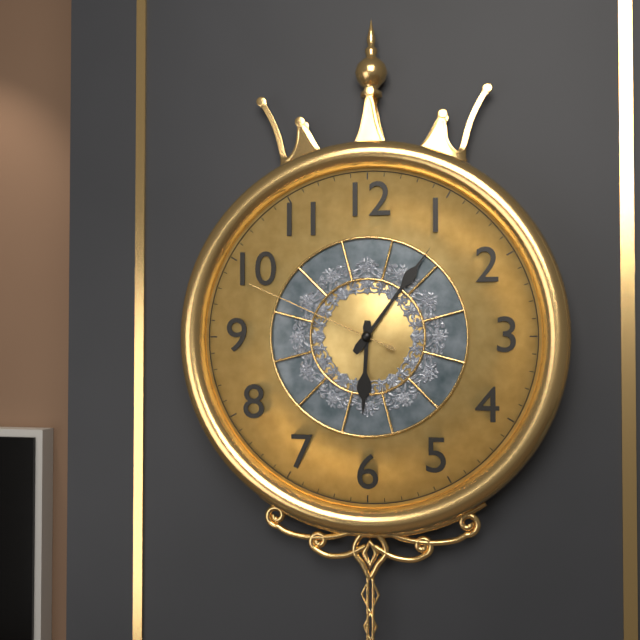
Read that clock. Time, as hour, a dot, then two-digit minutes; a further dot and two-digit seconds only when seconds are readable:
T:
6.06.49
